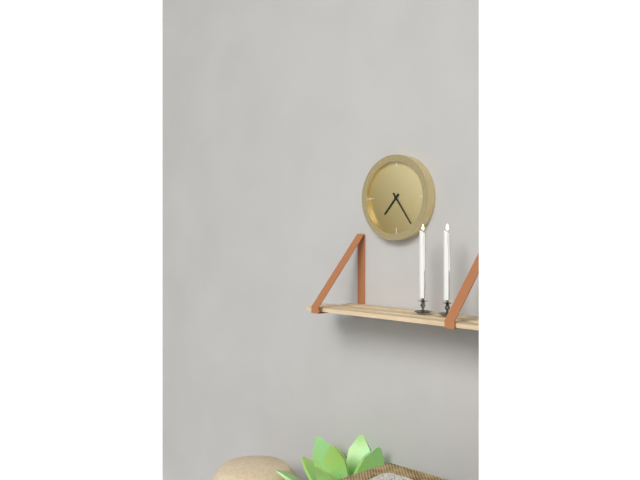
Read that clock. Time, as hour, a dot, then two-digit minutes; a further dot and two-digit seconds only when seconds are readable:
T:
7.24
